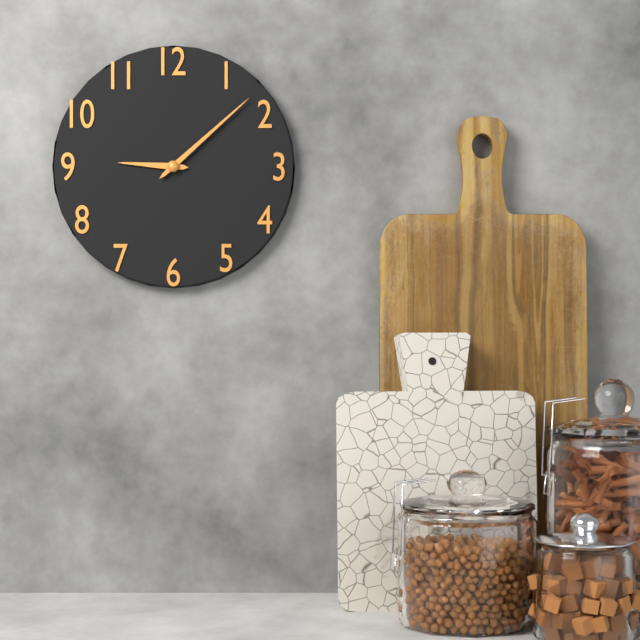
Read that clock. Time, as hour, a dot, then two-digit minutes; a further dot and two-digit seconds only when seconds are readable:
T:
9.08
